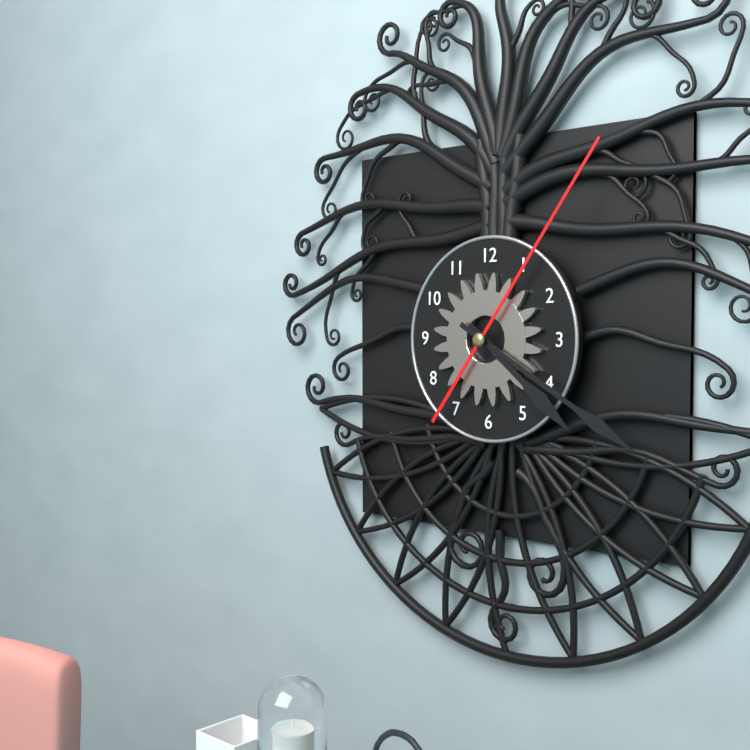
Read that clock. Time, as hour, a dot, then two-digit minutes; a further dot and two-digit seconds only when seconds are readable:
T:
4.20.06
